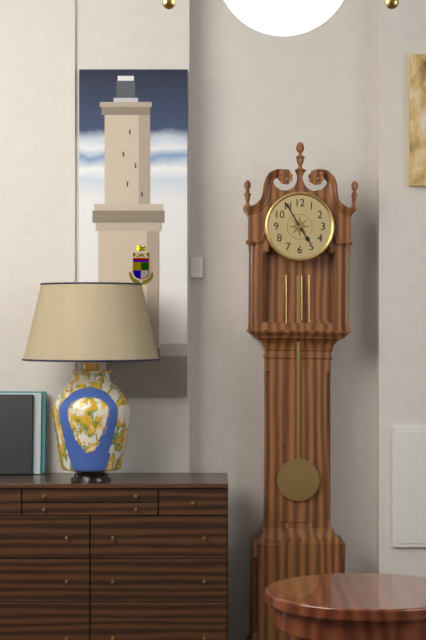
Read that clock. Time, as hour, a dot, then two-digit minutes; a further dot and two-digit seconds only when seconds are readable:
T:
4.55
